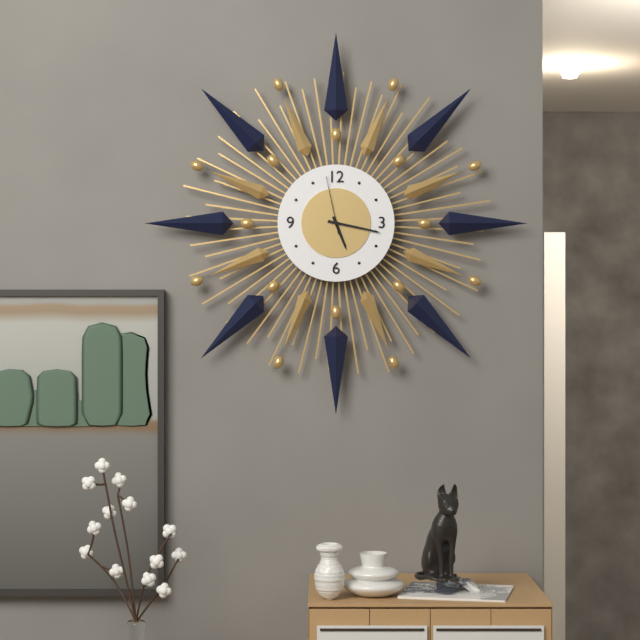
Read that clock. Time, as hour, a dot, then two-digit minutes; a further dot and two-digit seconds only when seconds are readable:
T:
5.17.58
